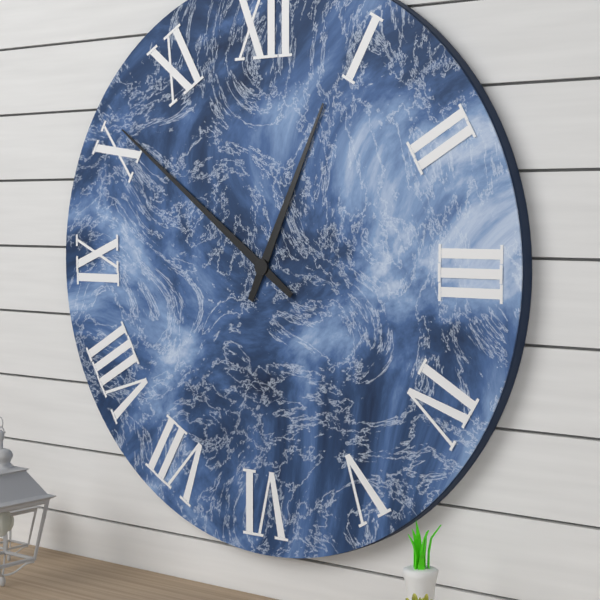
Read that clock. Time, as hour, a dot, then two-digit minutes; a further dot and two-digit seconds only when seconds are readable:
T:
12.51
